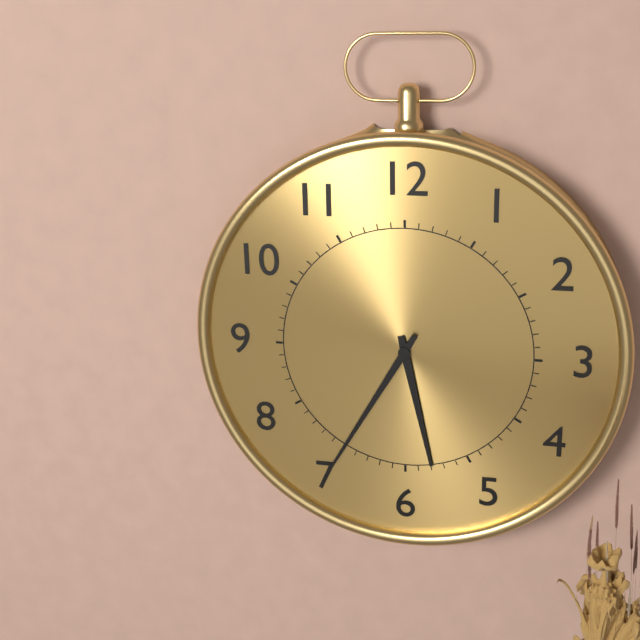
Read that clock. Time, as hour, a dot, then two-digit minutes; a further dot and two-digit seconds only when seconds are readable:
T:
5.35
